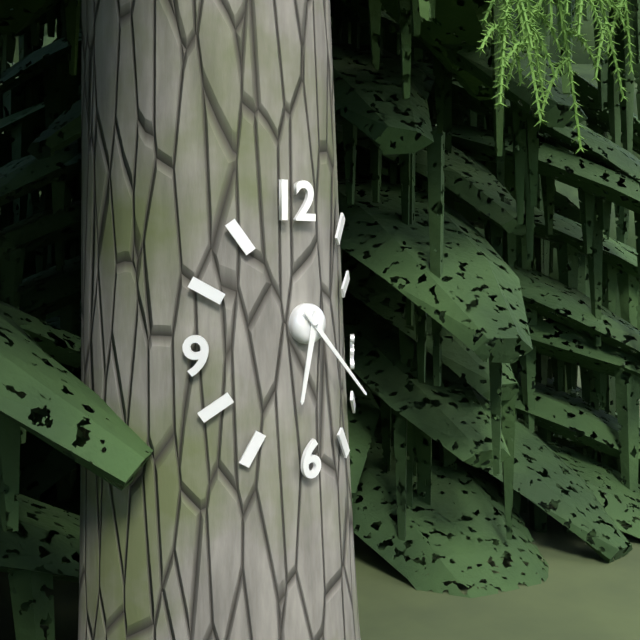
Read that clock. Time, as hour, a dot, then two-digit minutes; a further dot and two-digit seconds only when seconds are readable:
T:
6.23
